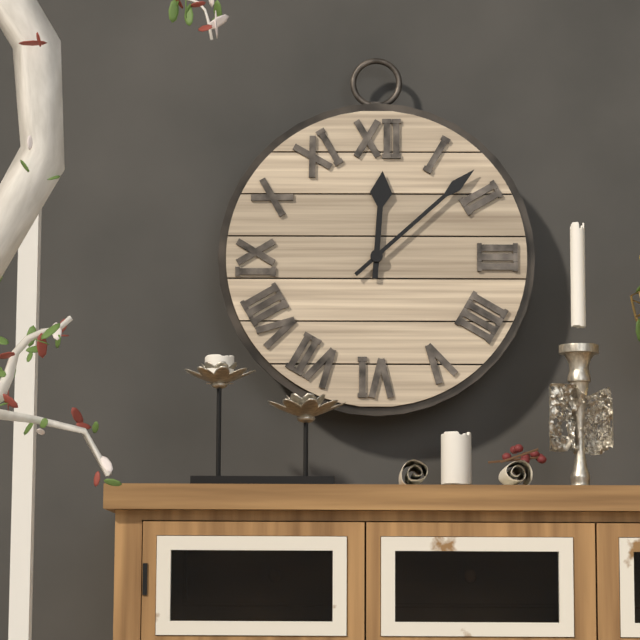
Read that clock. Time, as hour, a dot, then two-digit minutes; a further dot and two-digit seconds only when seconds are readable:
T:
12.08
